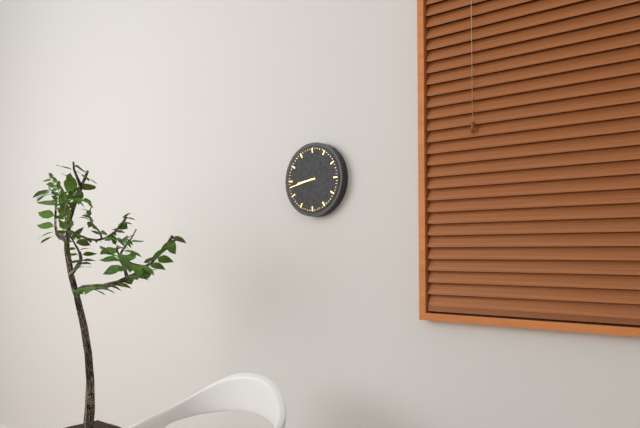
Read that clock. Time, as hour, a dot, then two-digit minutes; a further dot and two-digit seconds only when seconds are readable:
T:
8.43
